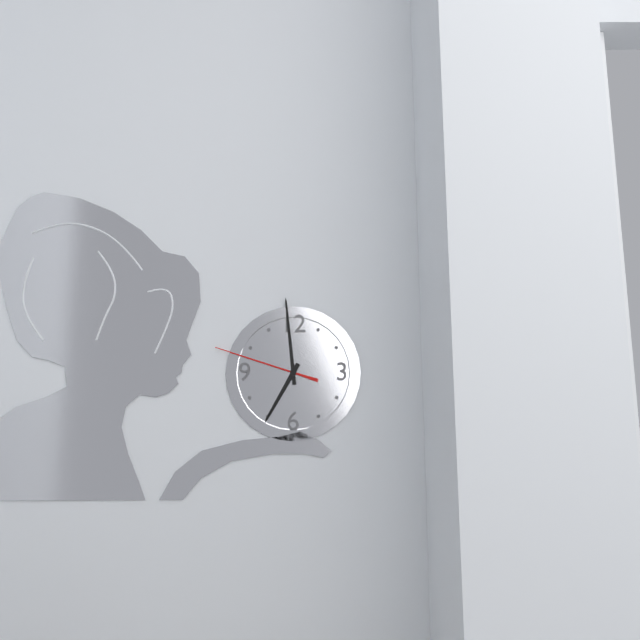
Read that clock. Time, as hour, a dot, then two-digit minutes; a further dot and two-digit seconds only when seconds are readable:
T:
6.59.48
